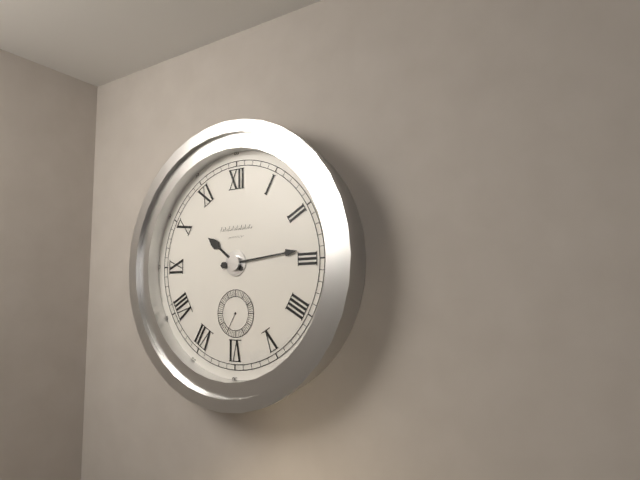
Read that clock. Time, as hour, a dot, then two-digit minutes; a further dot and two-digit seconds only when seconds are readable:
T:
10.14
